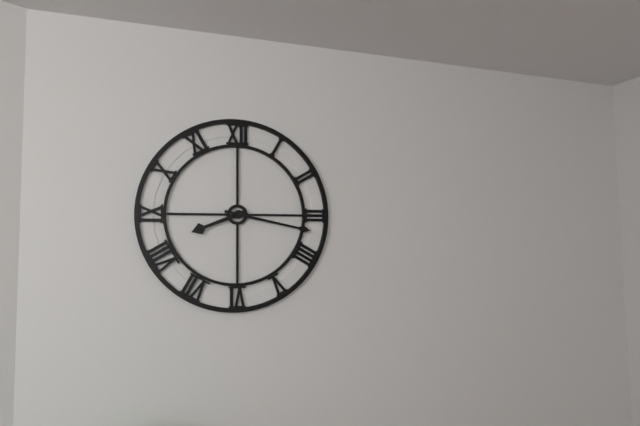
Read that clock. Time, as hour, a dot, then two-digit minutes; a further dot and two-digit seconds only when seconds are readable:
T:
8.17
